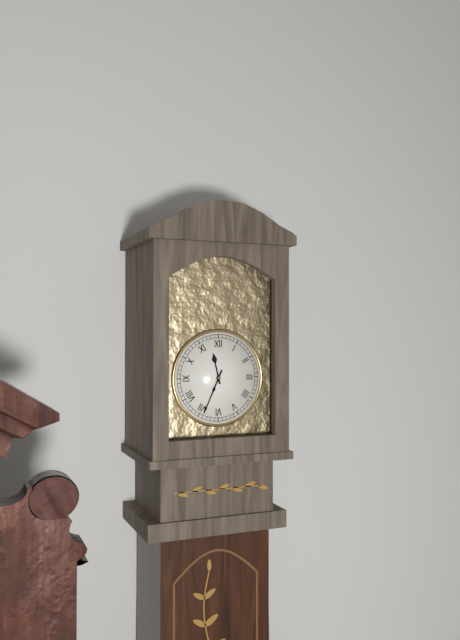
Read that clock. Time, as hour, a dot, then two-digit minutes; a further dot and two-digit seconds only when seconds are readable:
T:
11.34
